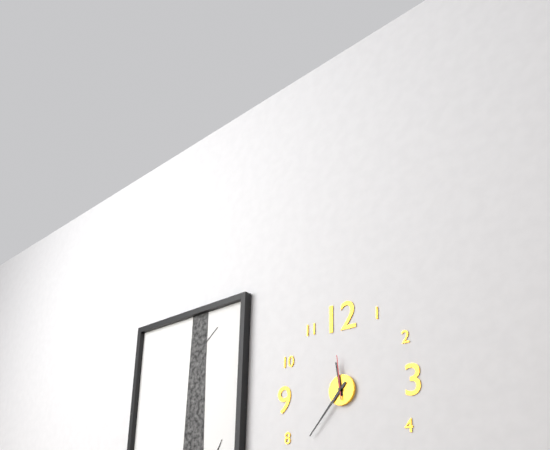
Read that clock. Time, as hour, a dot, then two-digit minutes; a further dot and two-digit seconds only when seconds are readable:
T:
11.37
